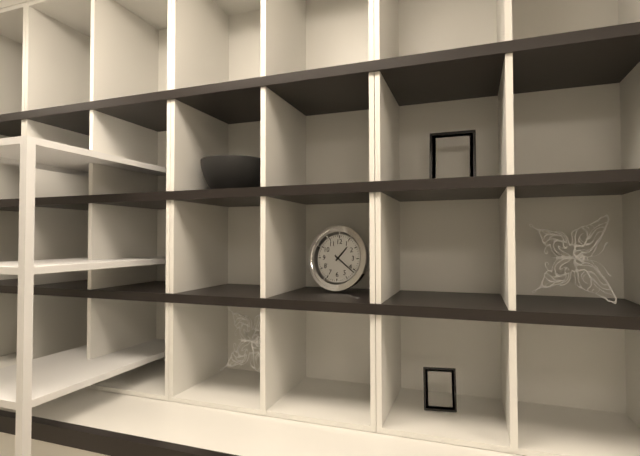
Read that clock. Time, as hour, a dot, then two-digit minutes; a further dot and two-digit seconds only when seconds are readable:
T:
1.21
